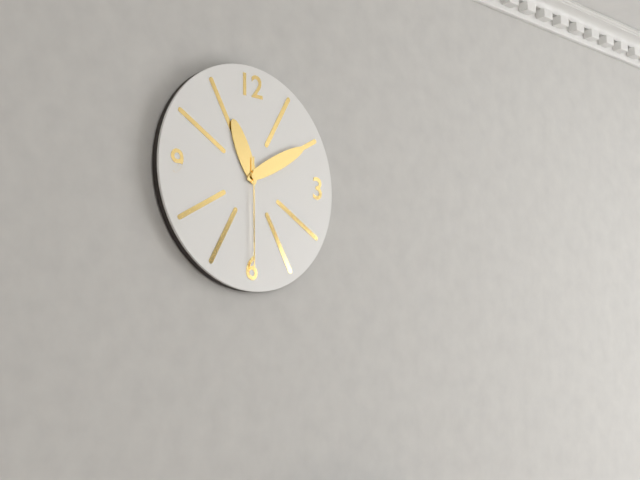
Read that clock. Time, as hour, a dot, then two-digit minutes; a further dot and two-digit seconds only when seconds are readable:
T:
11.10.30
